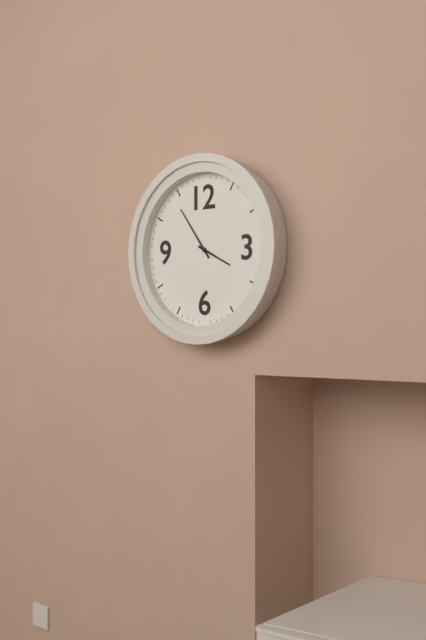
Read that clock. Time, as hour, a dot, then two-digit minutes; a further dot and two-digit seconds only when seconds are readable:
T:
3.54
